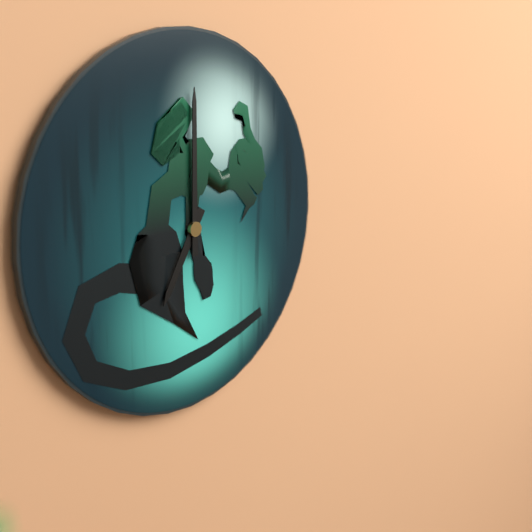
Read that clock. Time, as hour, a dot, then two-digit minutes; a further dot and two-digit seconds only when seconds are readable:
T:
7.00
